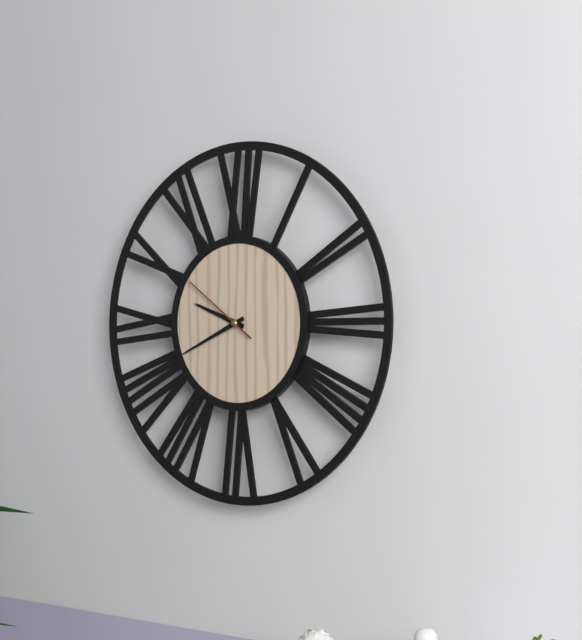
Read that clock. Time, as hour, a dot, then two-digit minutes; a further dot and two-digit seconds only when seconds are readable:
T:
9.41.51
